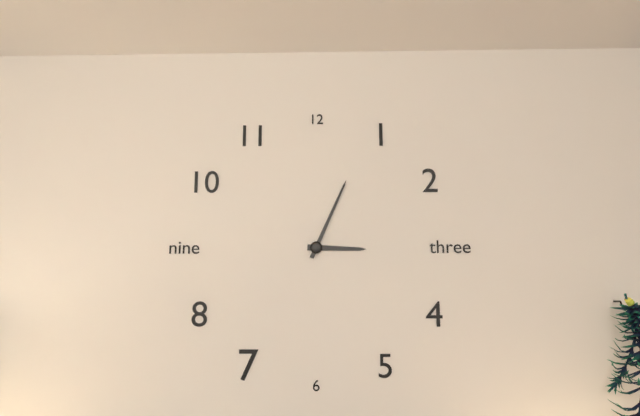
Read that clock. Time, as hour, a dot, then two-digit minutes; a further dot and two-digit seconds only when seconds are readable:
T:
3.04
